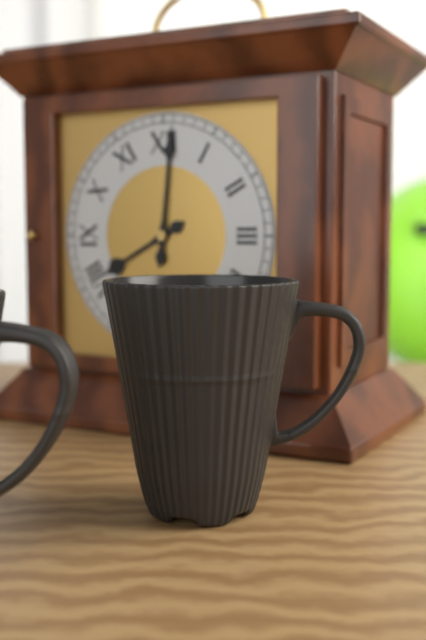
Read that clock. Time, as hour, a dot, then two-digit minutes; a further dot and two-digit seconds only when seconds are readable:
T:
8.01
